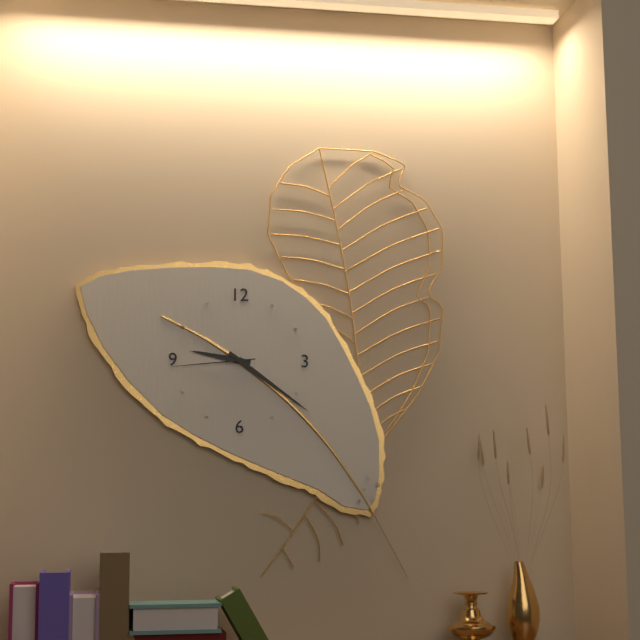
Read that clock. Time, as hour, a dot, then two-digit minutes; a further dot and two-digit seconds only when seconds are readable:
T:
9.21.44
